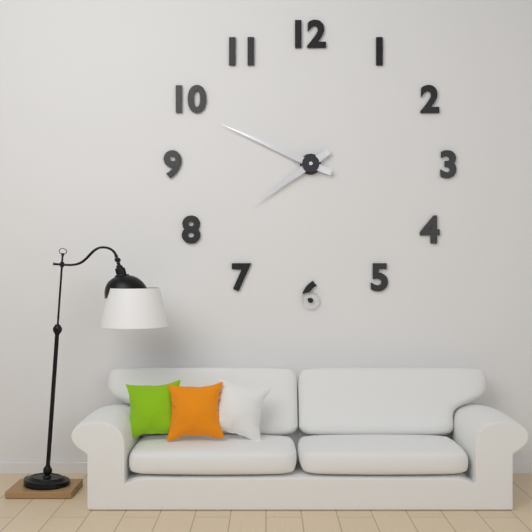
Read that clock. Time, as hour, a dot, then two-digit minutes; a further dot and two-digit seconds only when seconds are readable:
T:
7.49
